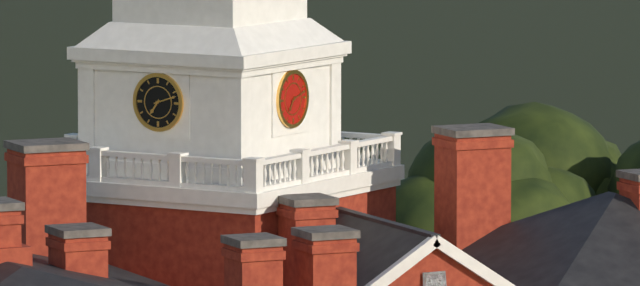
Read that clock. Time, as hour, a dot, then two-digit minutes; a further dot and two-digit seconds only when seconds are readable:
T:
7.12
